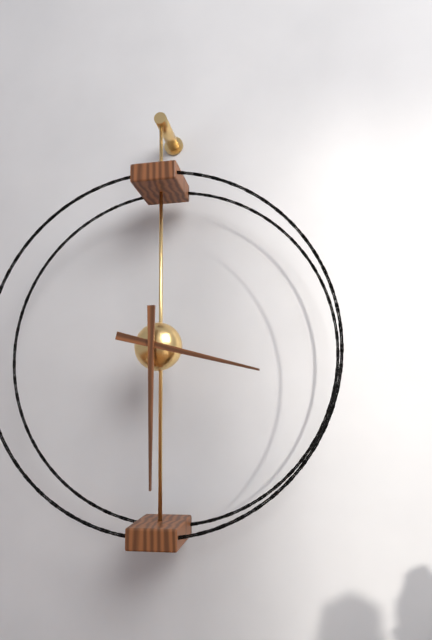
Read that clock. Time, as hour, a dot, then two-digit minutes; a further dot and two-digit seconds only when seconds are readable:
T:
3.30
